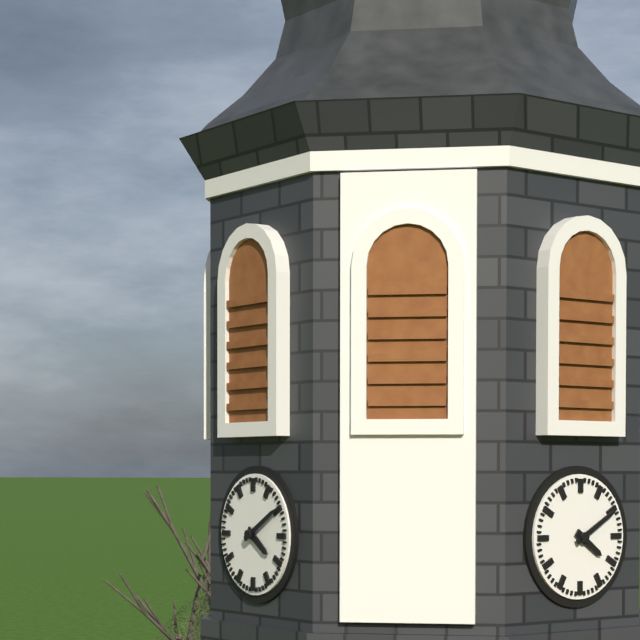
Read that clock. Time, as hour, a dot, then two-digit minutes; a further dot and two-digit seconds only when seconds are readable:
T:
4.10
